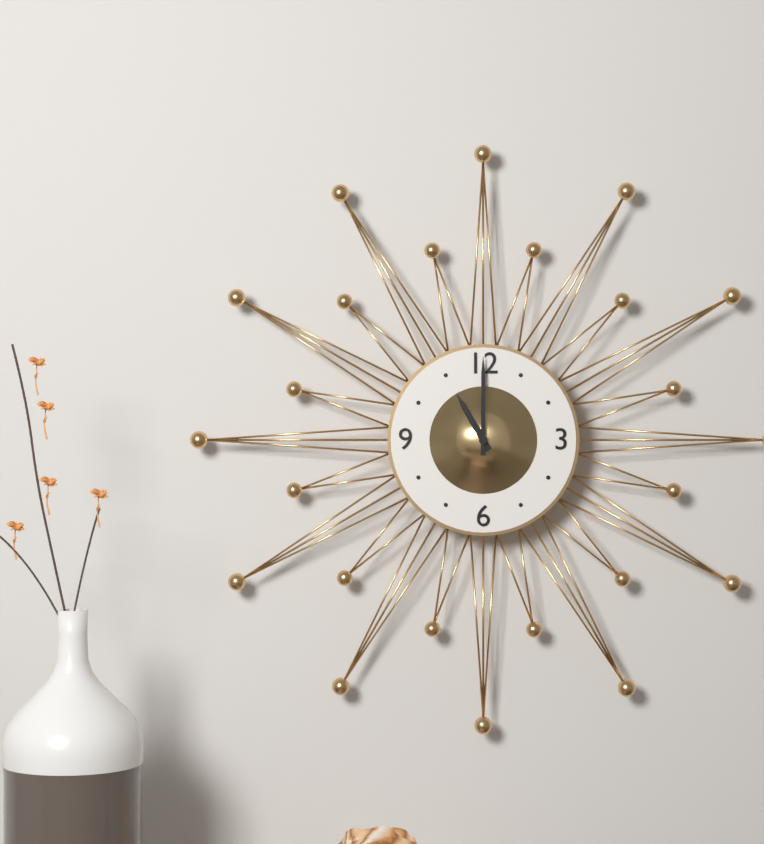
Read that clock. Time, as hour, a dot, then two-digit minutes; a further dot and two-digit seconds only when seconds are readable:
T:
11.00
